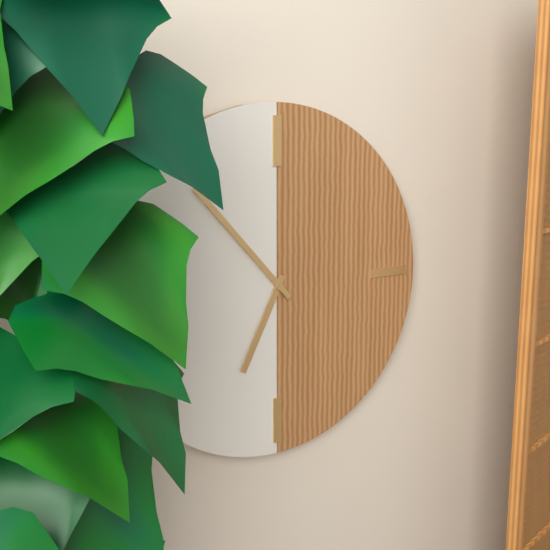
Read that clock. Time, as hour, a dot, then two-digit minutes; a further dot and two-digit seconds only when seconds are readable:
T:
6.53
